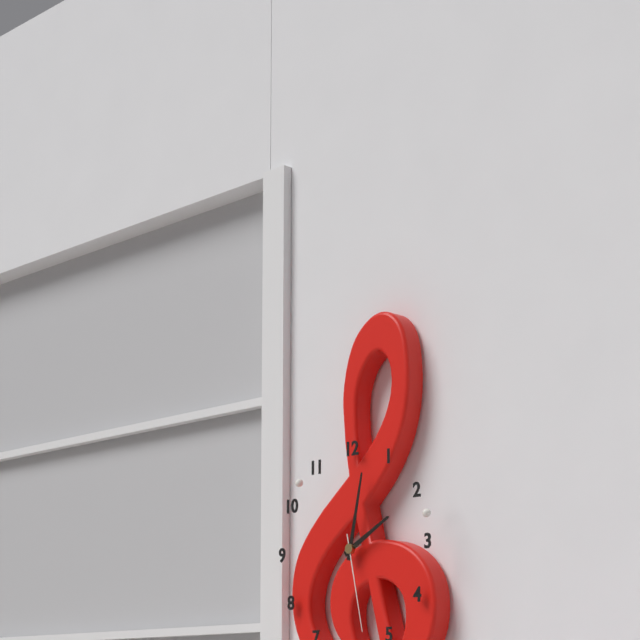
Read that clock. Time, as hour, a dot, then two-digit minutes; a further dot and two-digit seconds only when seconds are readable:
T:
2.02.28
